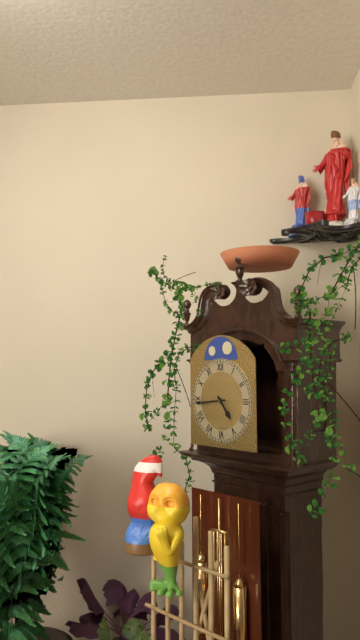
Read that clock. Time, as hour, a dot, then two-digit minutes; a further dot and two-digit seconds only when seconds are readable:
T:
4.44
